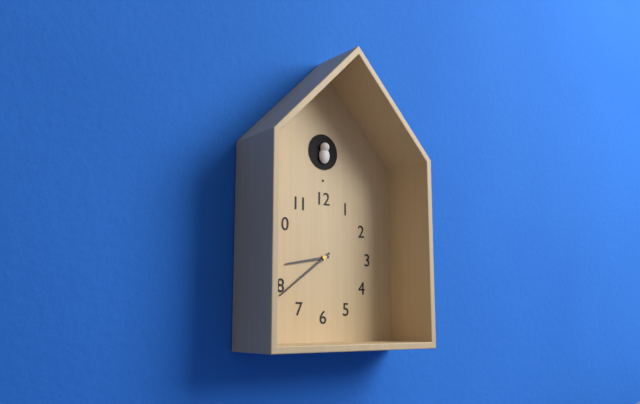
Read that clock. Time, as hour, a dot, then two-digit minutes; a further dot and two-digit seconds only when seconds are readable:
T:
8.39
